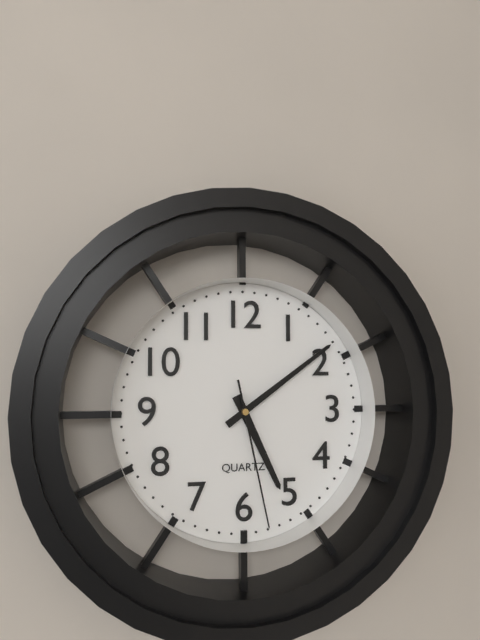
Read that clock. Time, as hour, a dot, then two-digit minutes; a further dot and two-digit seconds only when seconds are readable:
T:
5.09.28
